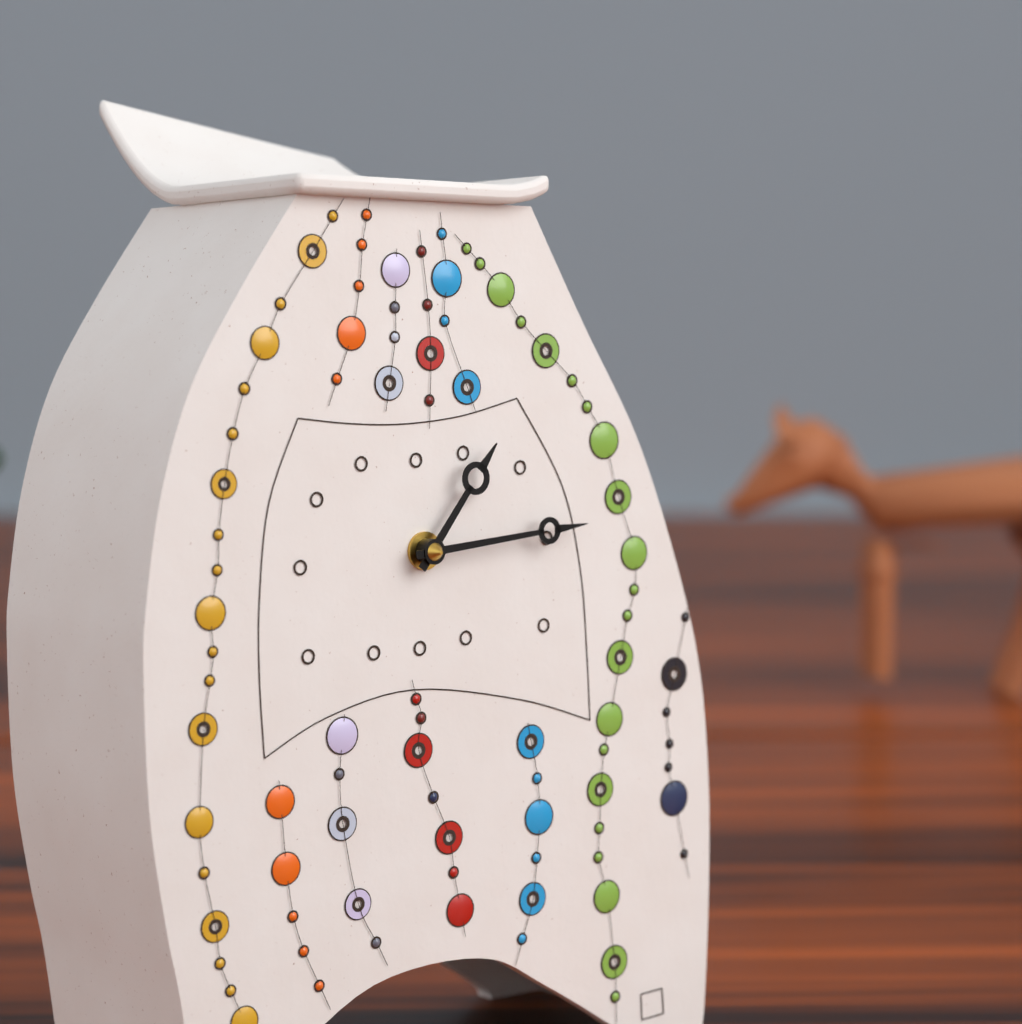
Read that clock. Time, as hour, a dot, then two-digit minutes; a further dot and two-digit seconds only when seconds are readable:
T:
1.14
